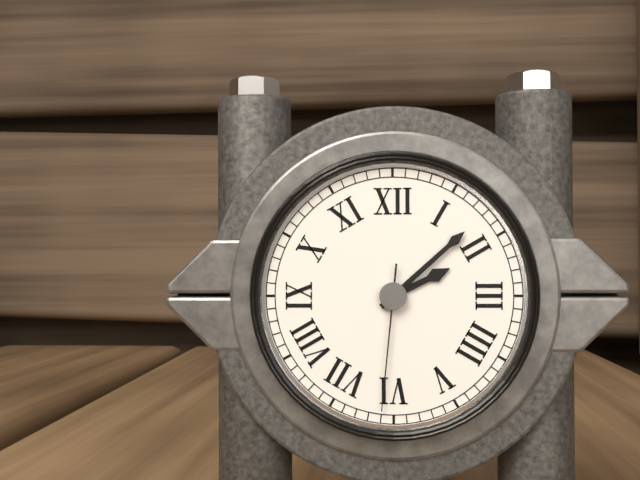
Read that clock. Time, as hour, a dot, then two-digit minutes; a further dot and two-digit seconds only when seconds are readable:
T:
2.08.31
